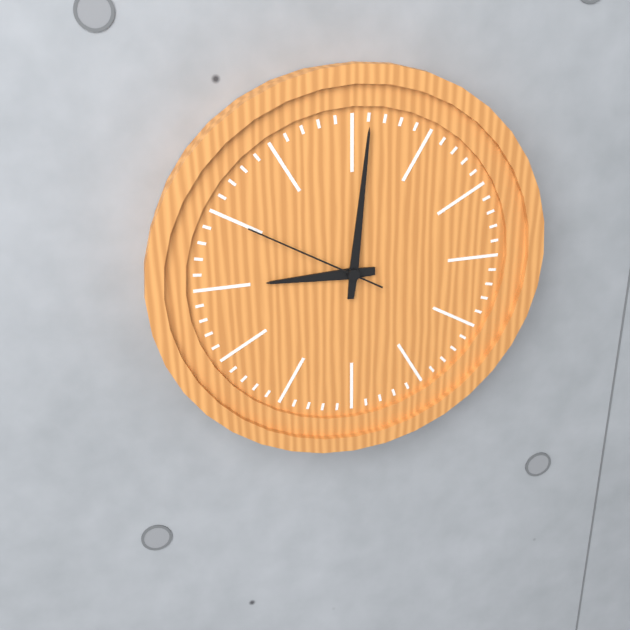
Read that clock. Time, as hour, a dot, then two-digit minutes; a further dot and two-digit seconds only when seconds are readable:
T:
9.01.50
